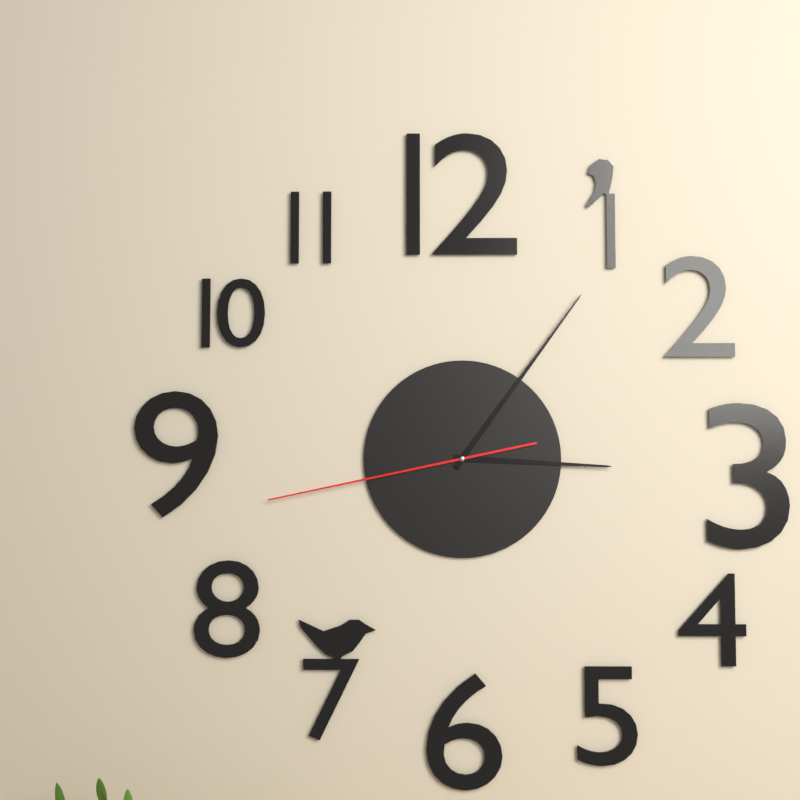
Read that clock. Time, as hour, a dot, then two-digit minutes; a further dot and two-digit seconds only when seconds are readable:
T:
3.06.43
